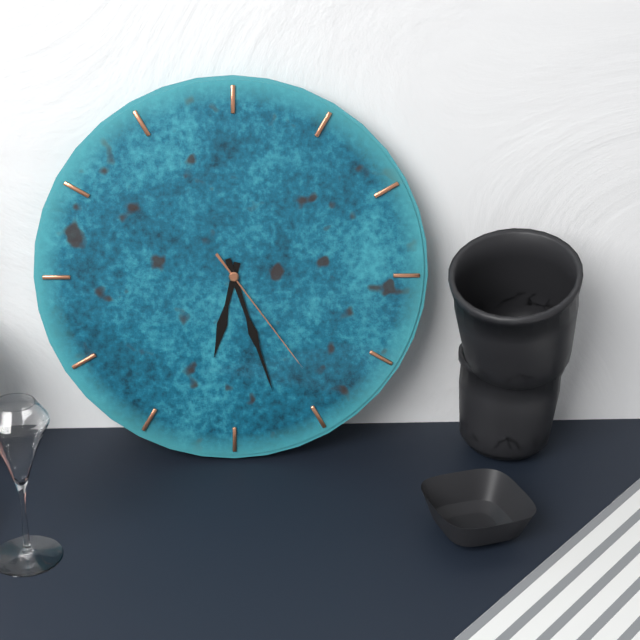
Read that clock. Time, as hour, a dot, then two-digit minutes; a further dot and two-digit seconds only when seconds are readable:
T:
6.27.24
